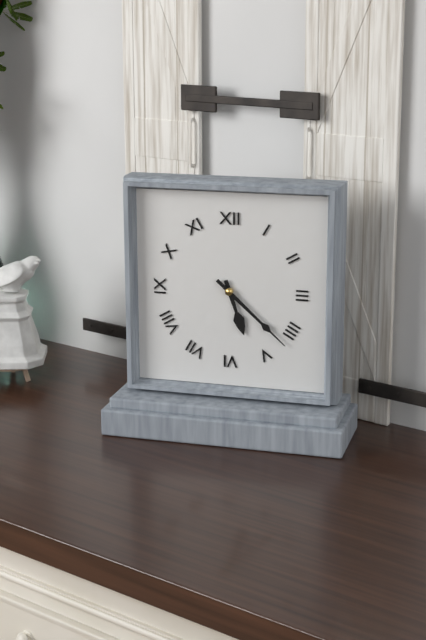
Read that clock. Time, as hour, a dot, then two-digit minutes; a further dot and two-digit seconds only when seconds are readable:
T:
5.22
